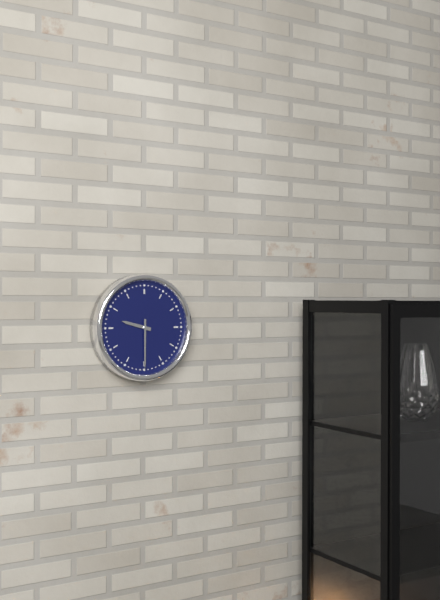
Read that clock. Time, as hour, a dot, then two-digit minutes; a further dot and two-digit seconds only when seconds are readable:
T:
9.30
